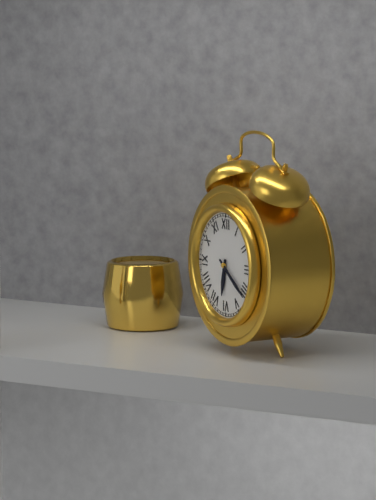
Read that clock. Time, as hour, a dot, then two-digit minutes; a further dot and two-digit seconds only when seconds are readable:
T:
6.21
